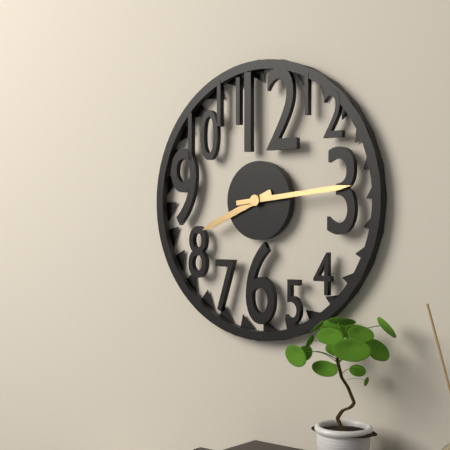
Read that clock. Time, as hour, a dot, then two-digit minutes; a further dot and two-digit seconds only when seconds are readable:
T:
8.14
